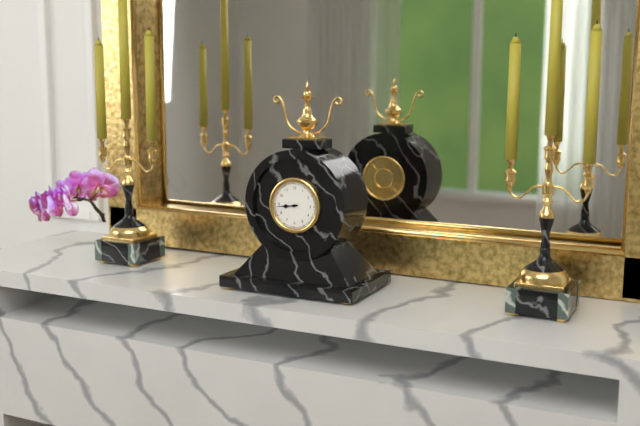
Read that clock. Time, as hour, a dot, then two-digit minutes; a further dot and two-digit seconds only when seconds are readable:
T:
8.44
